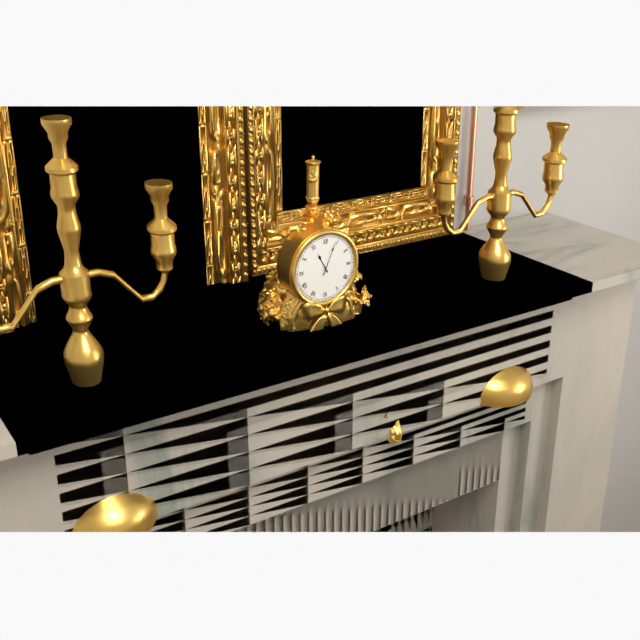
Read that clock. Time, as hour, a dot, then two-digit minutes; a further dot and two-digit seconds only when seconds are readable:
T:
11.04
